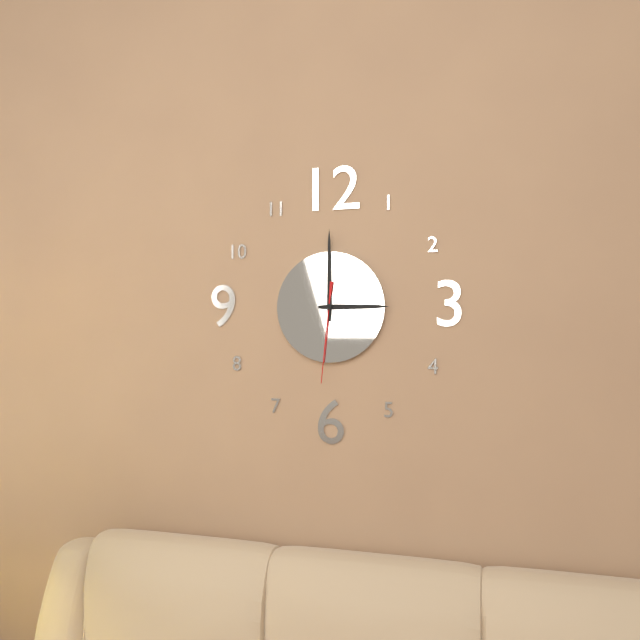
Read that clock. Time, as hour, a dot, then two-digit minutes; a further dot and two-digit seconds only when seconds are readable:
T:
3.00.31
